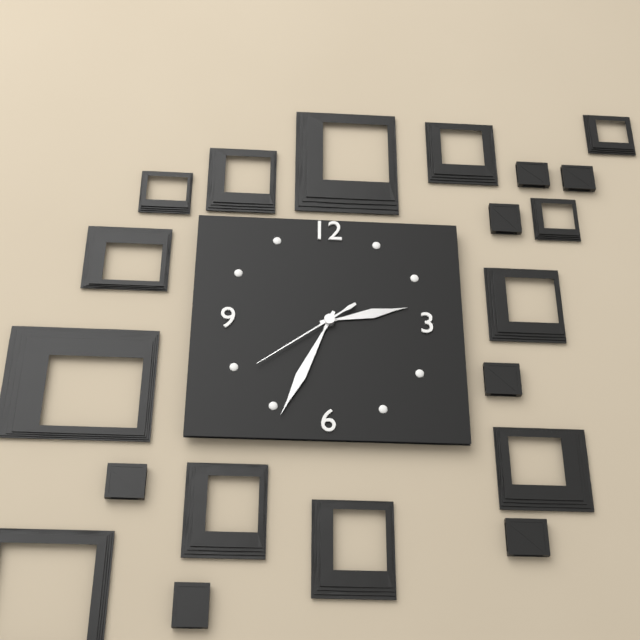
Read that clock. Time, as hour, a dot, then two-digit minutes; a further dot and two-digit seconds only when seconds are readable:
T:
2.34.39
